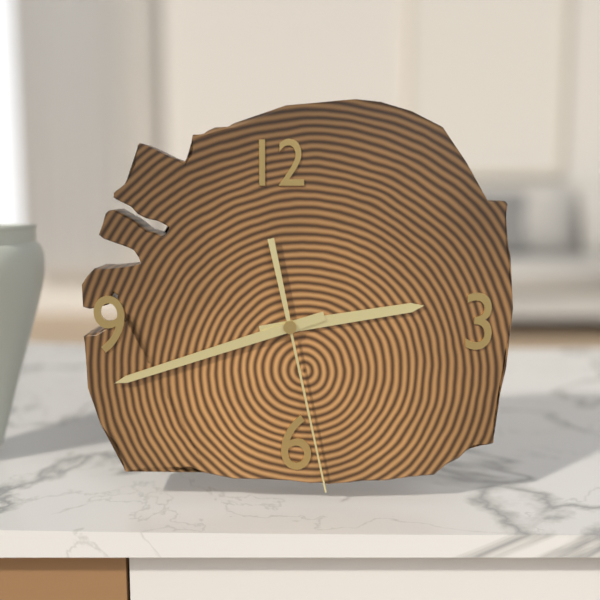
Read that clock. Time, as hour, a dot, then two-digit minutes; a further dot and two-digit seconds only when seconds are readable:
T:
2.42.28
